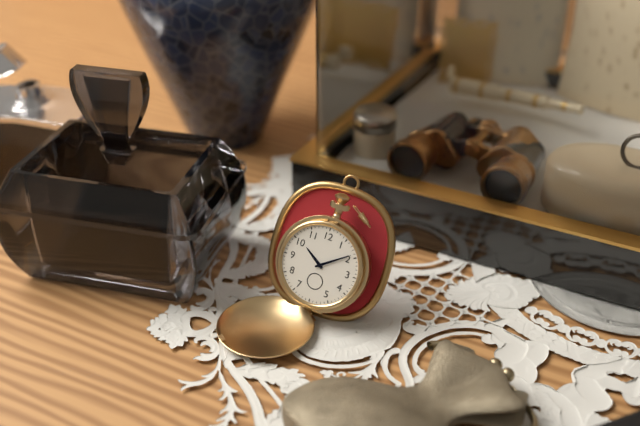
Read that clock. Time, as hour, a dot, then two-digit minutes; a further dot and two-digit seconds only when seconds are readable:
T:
10.09
